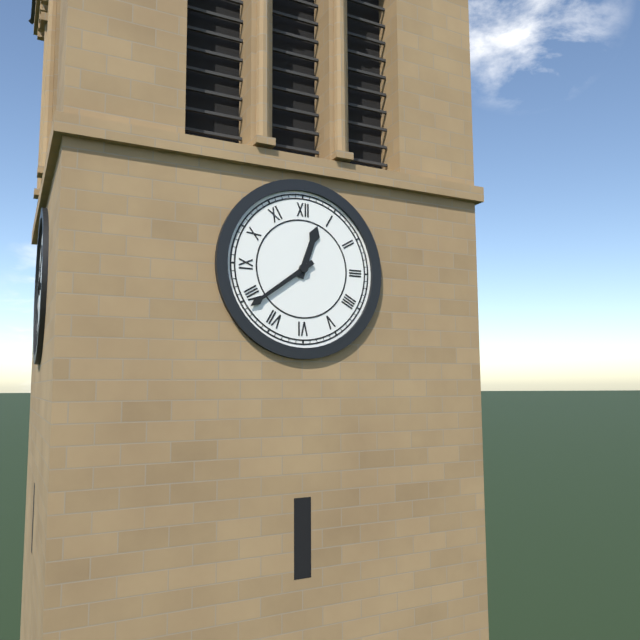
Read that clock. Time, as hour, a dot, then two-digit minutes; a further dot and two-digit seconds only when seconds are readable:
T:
12.39
